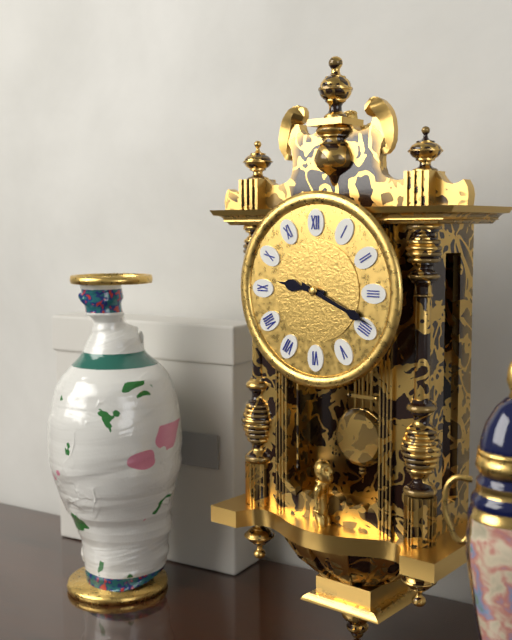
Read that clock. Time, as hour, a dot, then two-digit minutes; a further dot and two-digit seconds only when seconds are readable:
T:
9.19
